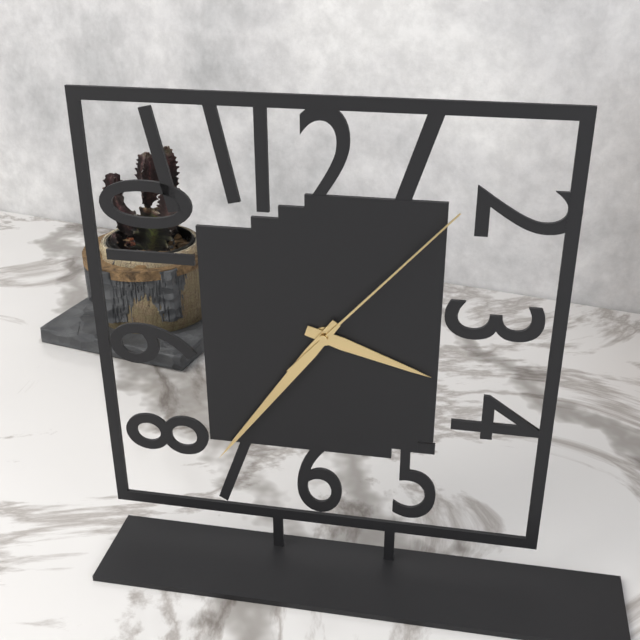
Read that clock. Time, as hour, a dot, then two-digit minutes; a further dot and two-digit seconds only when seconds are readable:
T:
3.36.07
